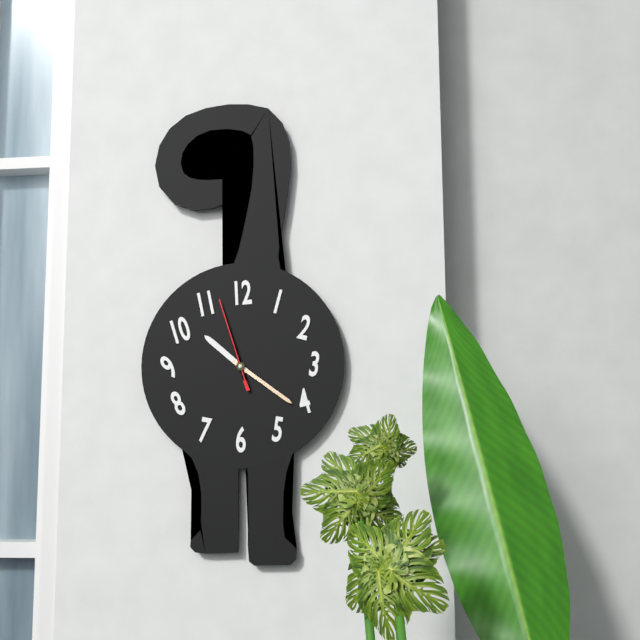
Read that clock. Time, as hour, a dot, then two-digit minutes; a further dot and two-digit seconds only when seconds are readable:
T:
10.21.57
